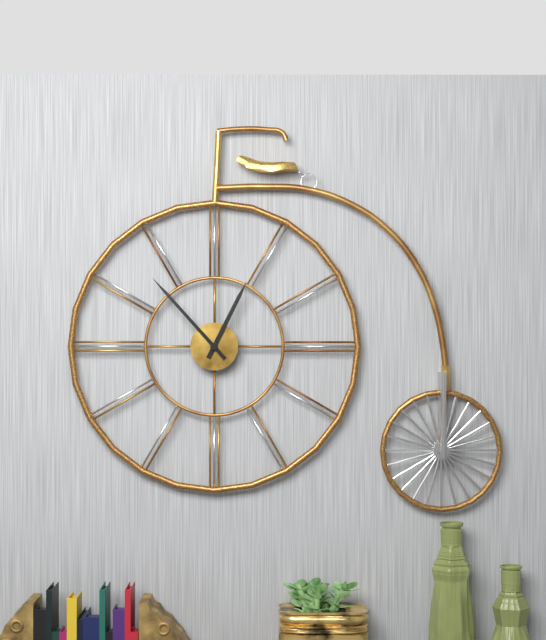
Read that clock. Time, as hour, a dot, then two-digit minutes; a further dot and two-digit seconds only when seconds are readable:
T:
12.53
